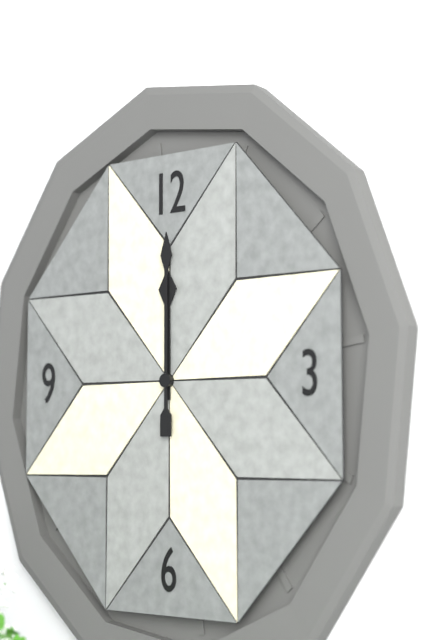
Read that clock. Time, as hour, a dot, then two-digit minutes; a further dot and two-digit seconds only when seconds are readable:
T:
12.00
